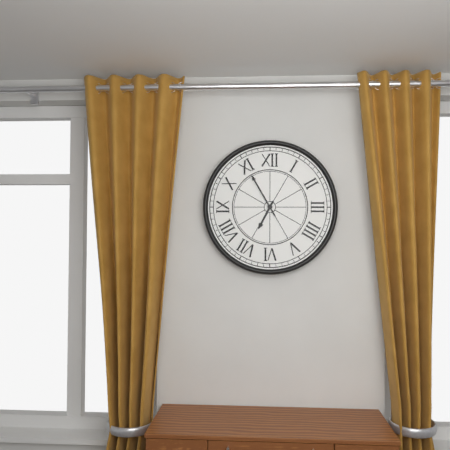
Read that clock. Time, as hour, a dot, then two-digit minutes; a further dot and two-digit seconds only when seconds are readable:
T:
6.55
